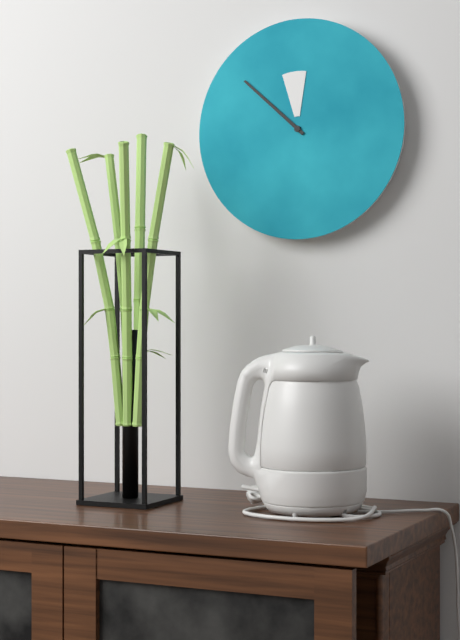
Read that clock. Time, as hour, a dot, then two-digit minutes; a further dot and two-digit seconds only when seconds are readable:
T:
11.52
